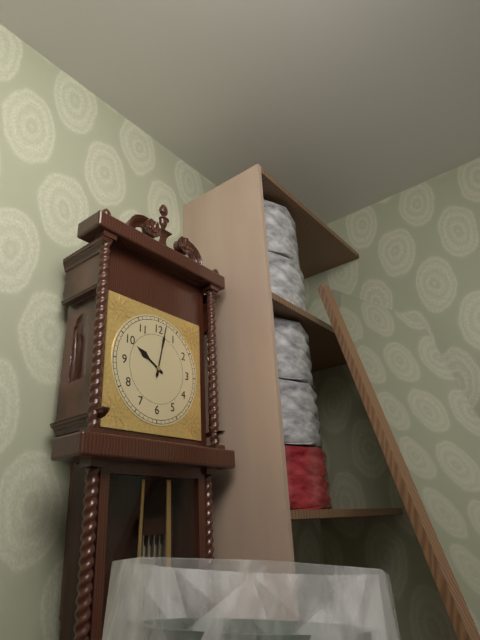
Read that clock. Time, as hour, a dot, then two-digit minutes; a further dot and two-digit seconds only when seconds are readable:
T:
10.02
